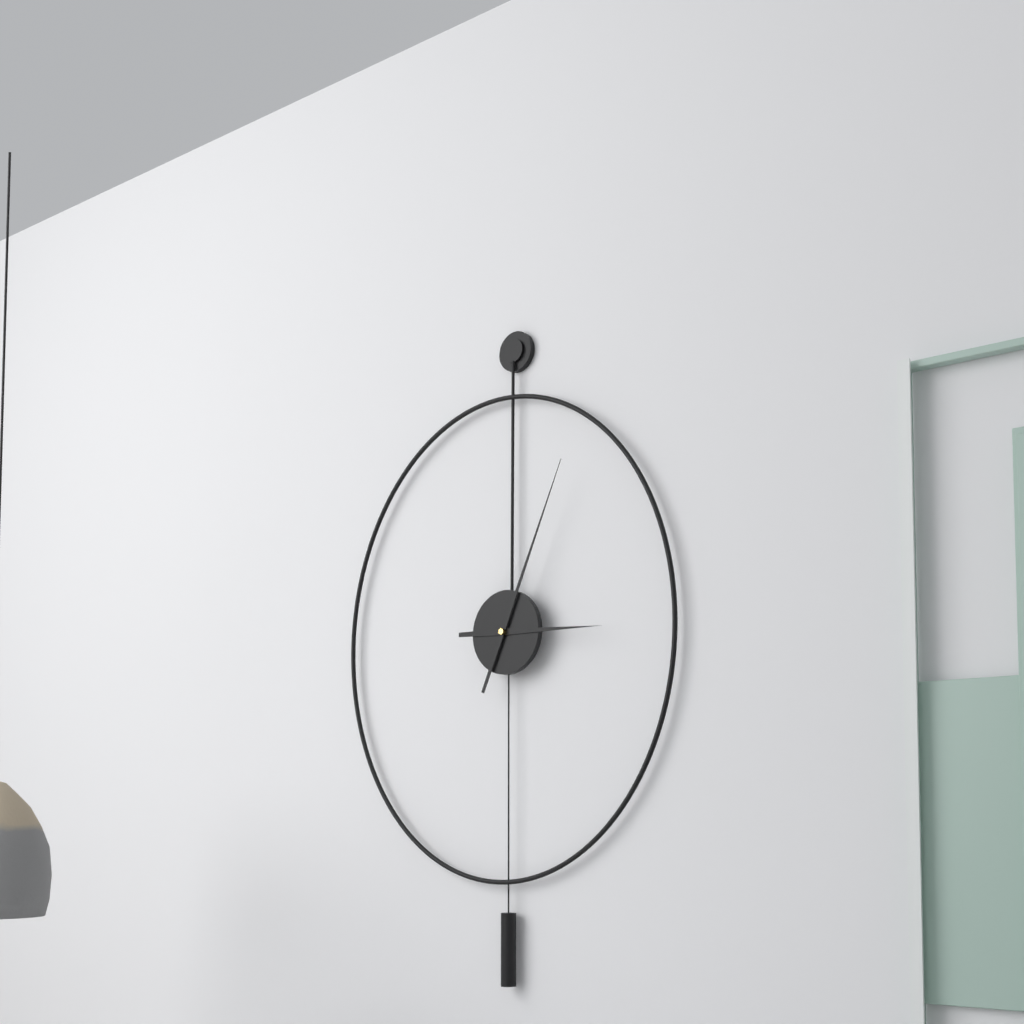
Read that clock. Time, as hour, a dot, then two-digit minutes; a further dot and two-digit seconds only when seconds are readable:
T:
3.04
